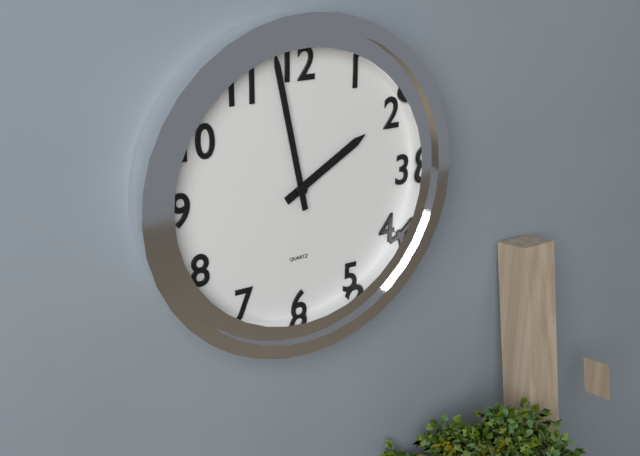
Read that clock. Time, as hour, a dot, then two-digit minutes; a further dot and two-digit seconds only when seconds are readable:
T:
1.58
